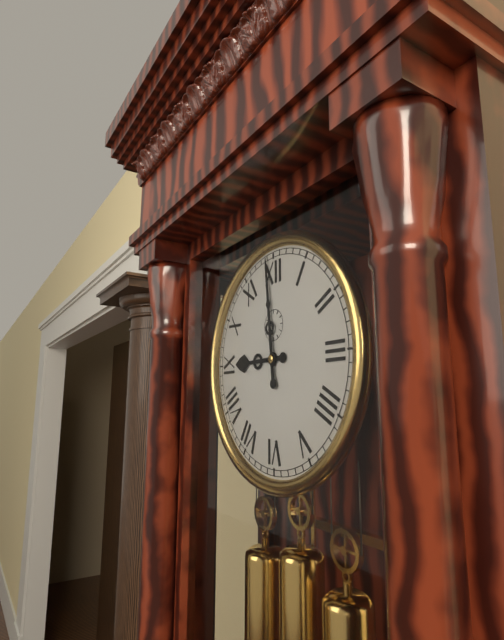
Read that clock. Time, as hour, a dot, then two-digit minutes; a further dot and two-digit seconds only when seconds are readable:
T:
8.59
